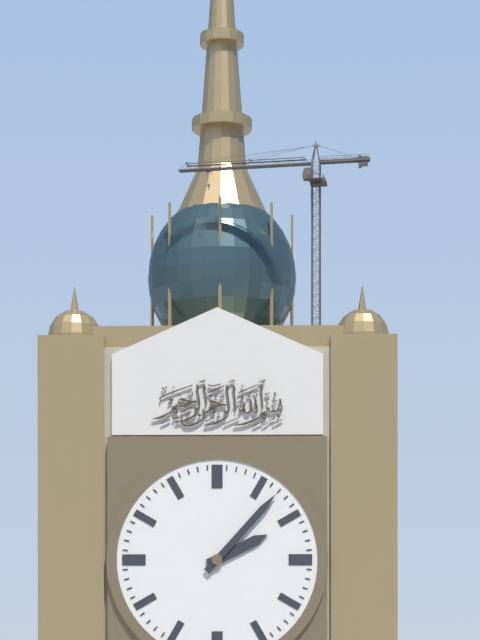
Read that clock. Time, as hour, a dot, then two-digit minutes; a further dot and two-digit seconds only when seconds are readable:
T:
2.07
